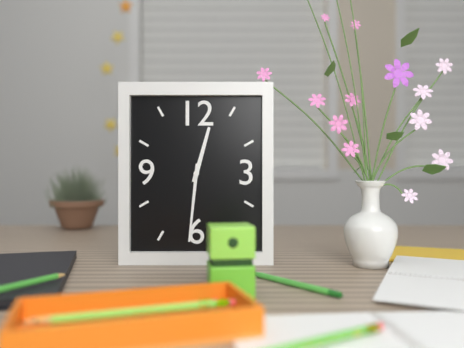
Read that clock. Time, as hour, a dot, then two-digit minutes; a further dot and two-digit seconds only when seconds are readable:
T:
12.31
